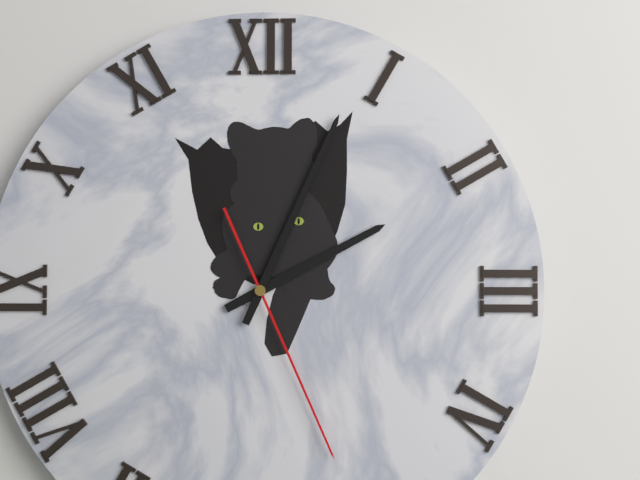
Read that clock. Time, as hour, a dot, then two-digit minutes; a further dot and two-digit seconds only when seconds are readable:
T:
2.04.26
